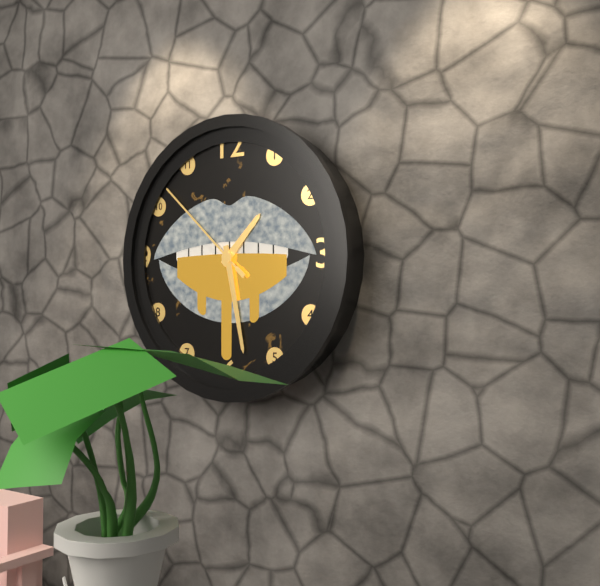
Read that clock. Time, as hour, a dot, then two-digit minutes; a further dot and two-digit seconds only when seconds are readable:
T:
1.28.52
